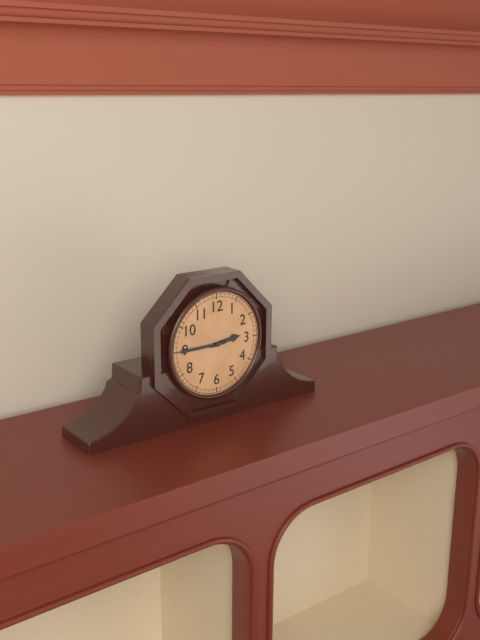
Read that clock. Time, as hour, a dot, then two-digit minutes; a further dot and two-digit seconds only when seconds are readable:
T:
2.45
